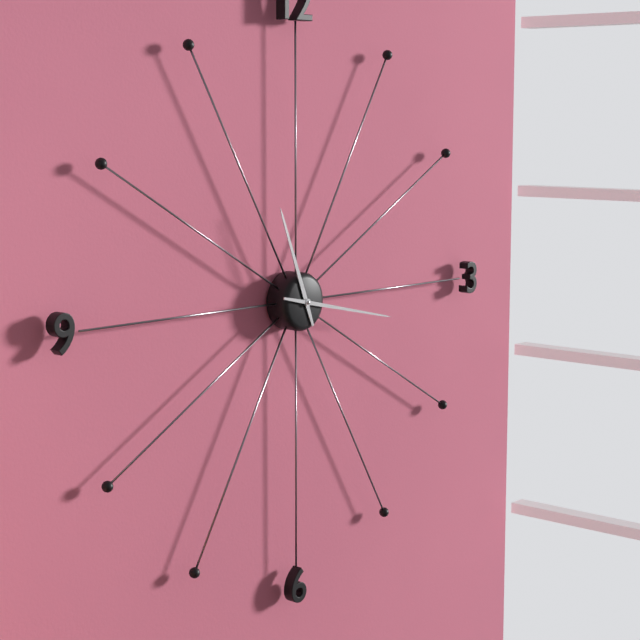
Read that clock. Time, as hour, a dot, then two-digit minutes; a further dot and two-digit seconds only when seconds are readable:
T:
11.17
